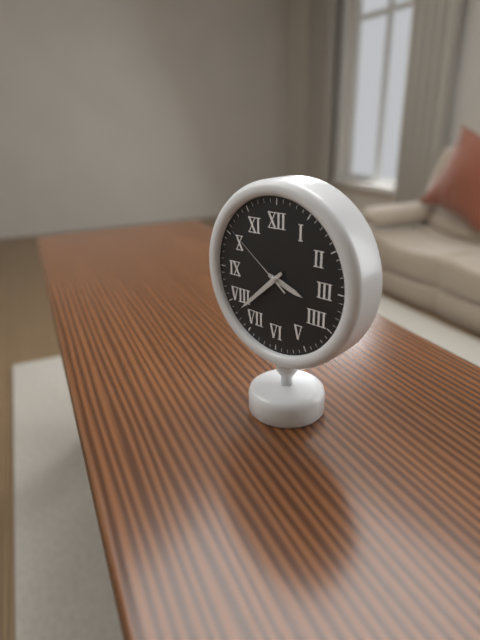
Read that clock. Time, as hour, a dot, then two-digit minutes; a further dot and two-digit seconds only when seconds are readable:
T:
3.38.51
